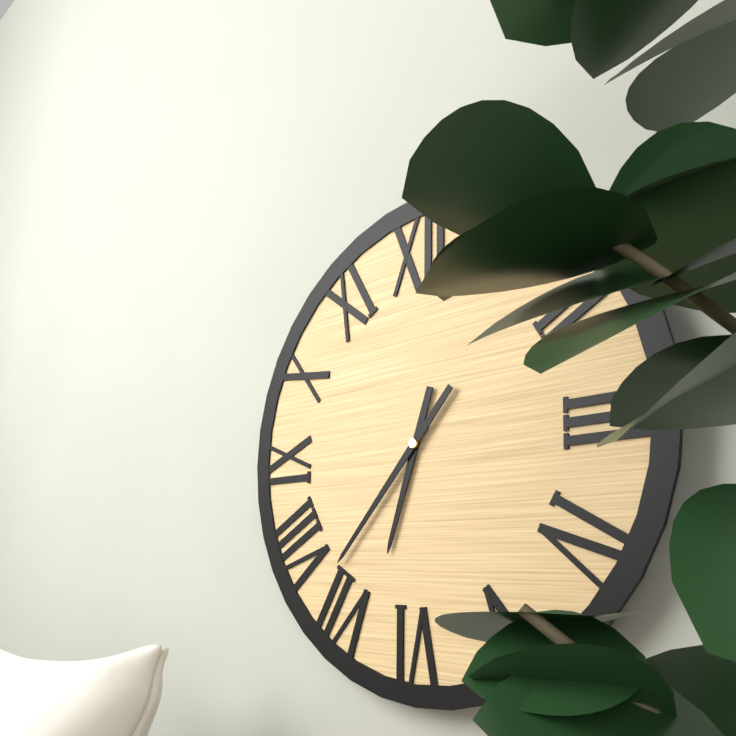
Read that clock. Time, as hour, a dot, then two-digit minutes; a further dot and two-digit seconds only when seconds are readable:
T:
6.37
